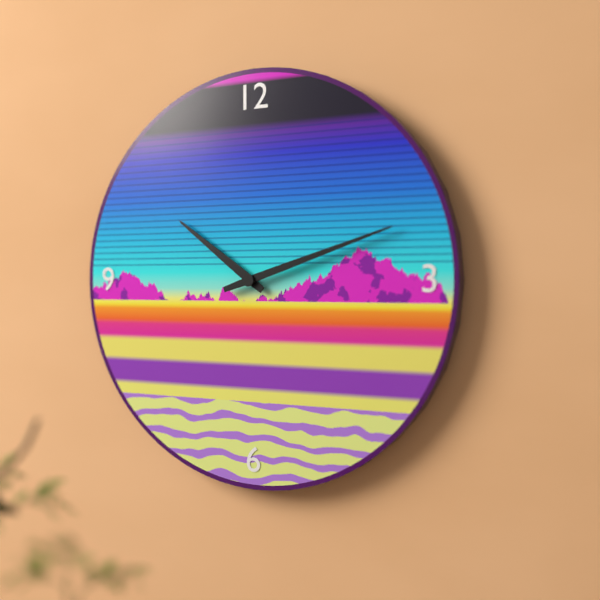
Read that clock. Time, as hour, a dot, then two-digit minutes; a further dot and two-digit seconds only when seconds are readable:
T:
10.12
